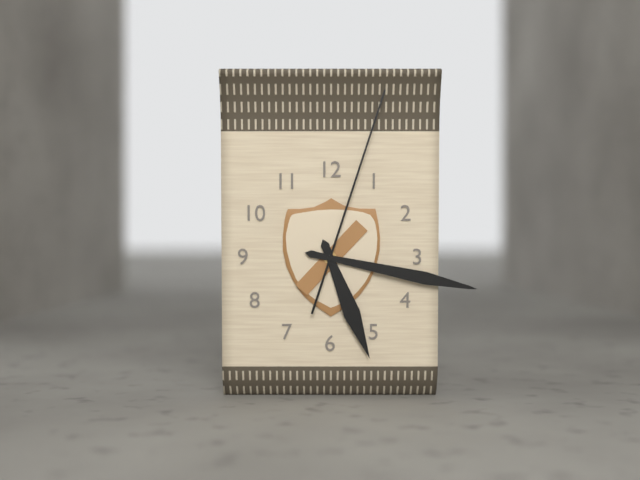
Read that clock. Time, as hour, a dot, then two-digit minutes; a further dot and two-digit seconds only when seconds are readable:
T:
5.17.03
